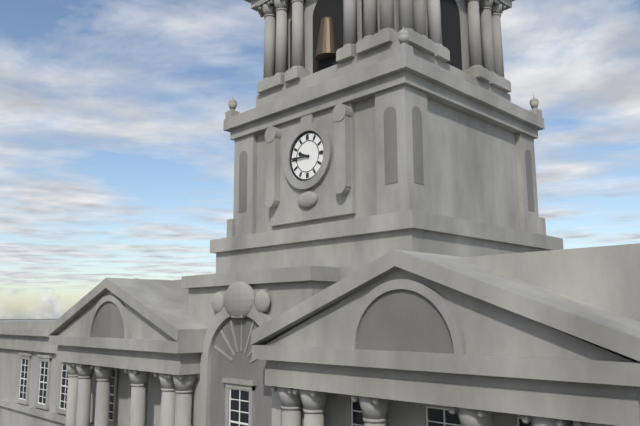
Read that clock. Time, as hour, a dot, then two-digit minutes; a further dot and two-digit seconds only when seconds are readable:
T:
9.45
